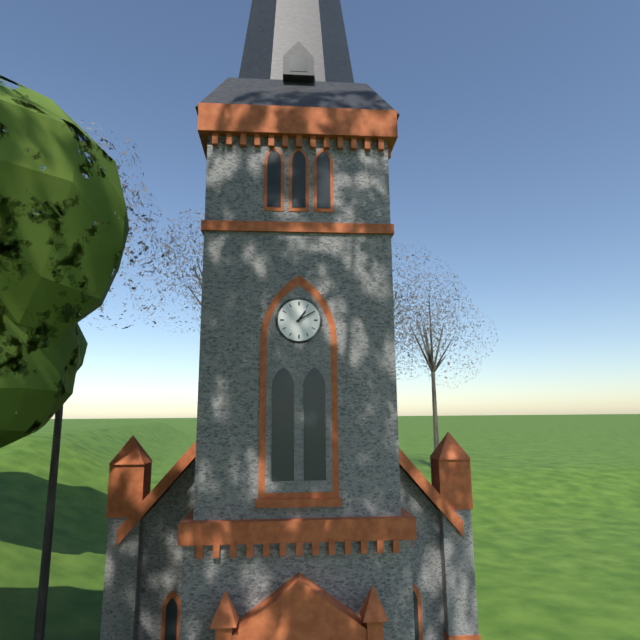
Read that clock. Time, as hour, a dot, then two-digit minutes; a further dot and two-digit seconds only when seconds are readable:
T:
1.10
